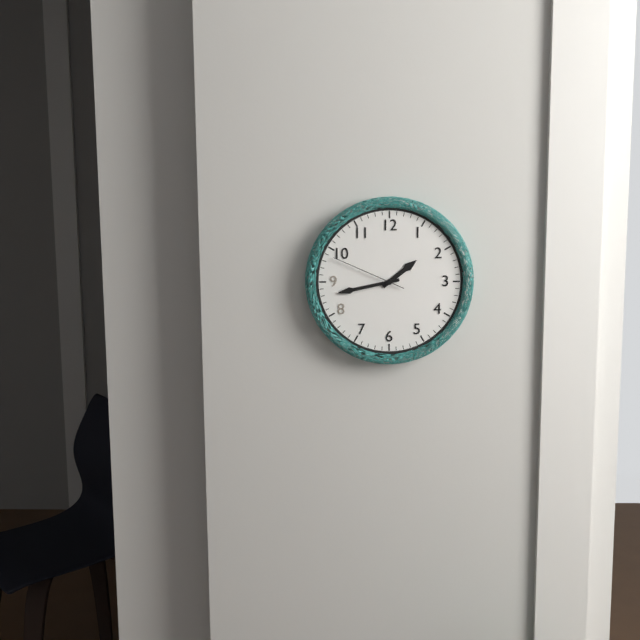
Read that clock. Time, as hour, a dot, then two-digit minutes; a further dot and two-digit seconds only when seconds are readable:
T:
1.43.49
